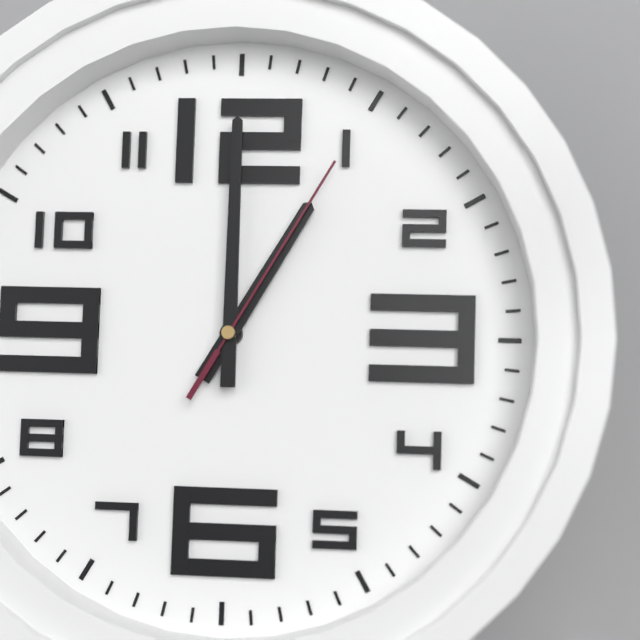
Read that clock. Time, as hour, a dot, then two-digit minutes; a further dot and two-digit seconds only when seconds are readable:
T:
1.00.05
